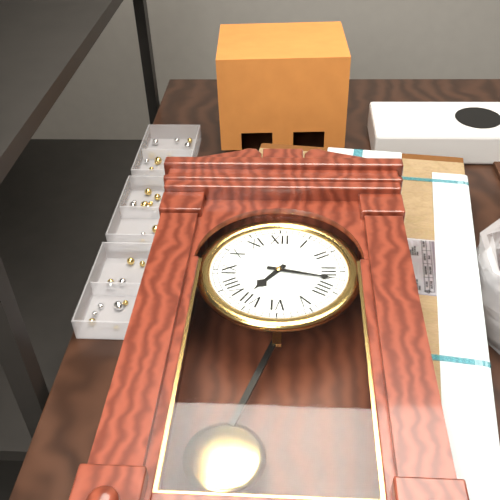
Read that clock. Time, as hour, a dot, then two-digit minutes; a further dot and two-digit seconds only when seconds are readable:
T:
7.17
